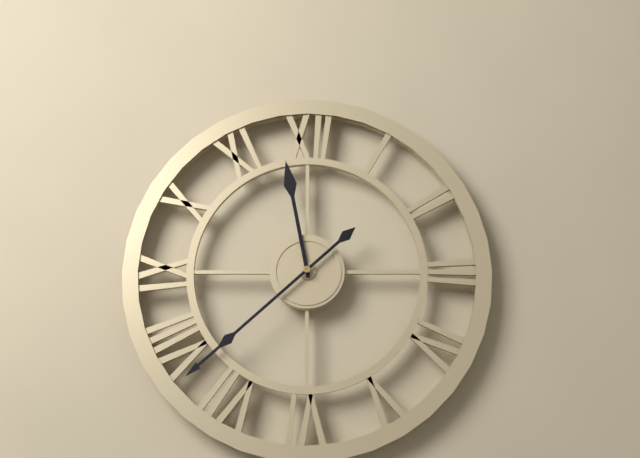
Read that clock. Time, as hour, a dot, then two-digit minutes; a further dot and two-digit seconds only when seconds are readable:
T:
11.38
